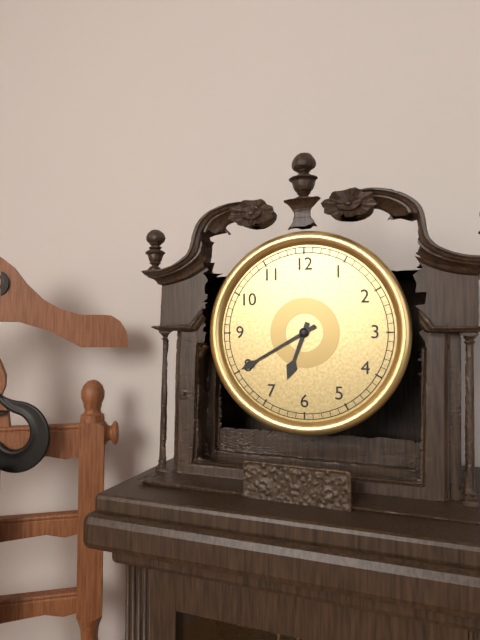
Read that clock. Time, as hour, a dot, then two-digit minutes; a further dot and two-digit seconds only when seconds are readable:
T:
6.40
